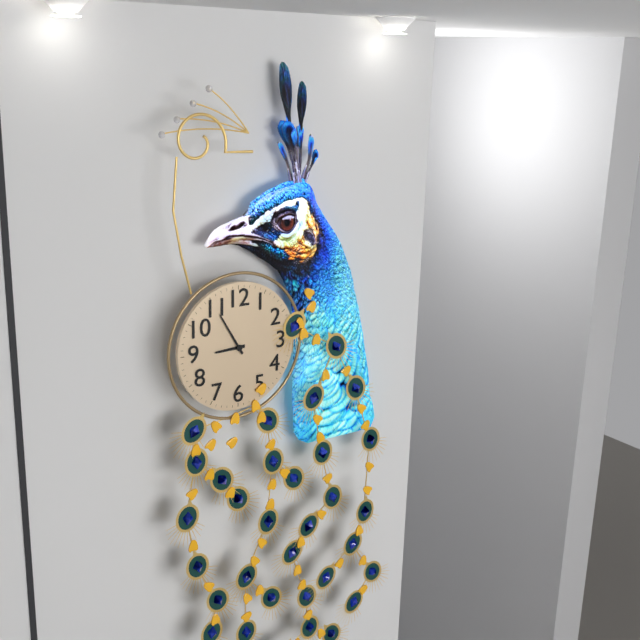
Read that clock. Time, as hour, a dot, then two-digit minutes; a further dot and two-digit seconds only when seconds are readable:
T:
8.55
